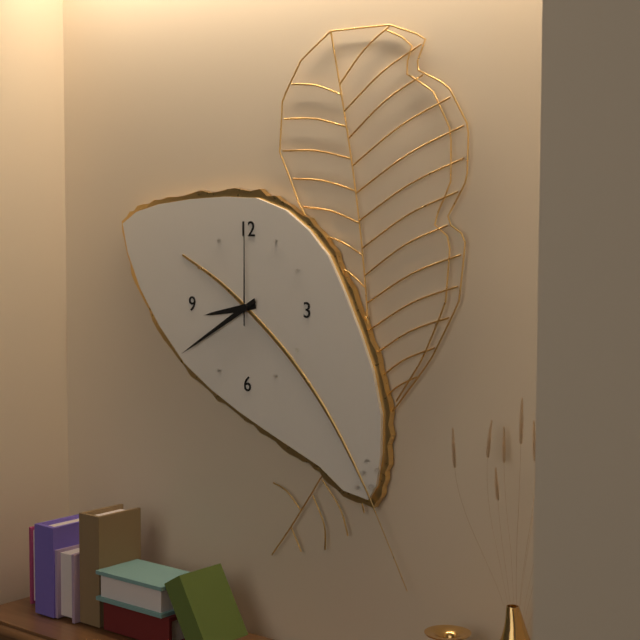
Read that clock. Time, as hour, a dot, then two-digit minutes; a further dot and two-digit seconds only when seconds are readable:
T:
8.40.00
